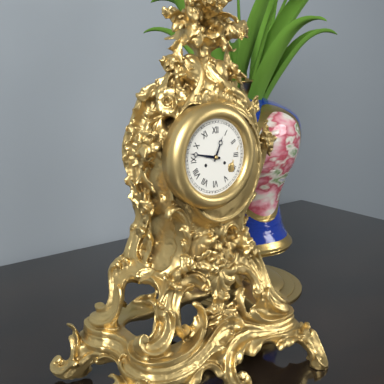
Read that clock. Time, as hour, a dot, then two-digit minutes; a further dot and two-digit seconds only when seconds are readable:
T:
12.47
